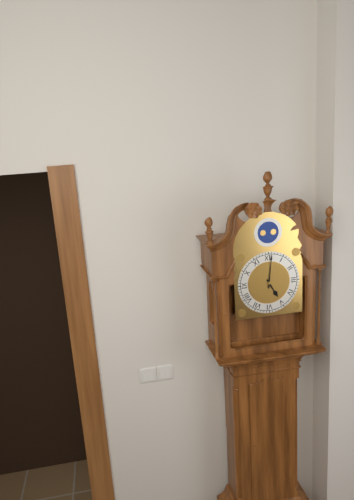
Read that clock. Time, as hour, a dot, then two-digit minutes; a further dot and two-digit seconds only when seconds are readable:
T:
5.01
